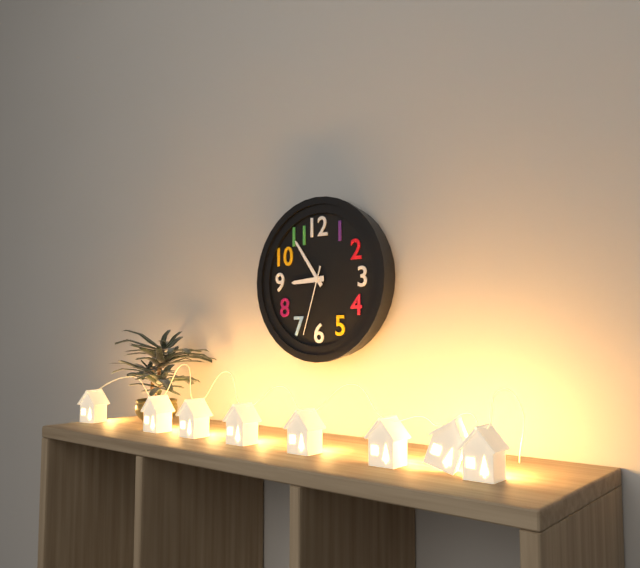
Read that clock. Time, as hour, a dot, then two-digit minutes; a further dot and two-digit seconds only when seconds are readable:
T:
8.54.33
